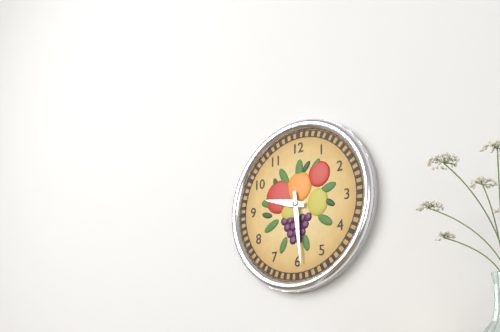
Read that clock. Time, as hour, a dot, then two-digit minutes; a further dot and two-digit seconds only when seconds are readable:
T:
9.29
